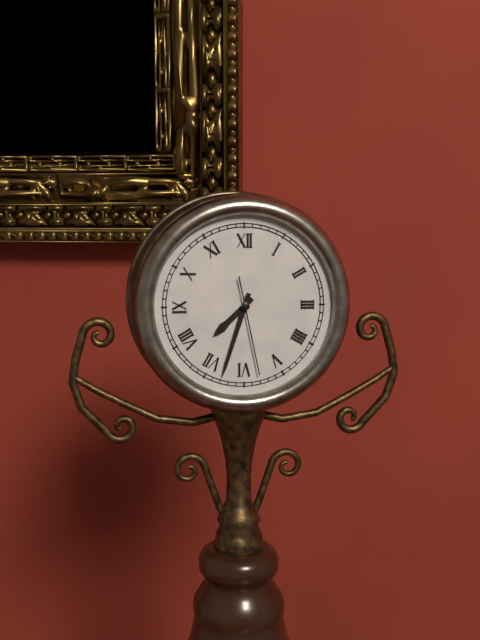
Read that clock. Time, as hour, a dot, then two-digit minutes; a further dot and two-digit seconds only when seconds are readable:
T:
7.33.28
